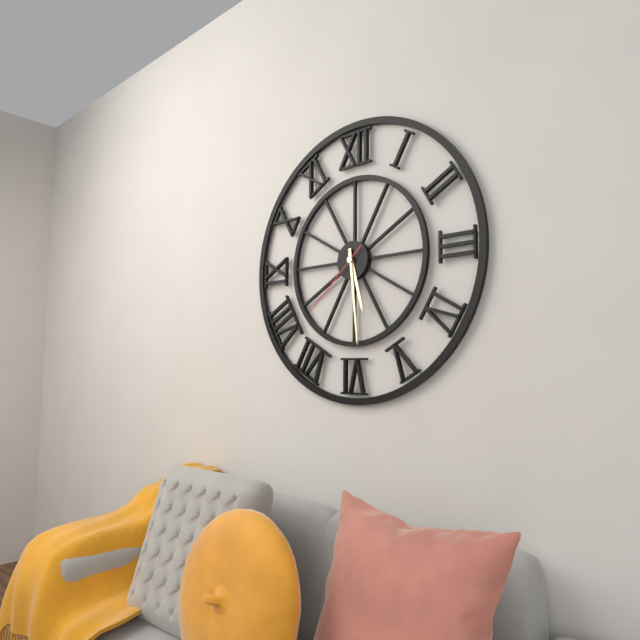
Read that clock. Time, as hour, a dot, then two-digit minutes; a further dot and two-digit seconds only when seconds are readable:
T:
5.29.38
